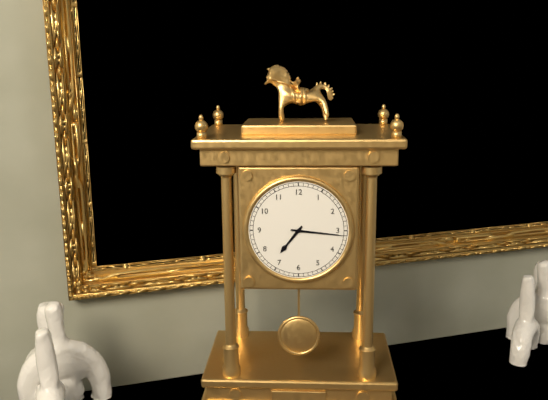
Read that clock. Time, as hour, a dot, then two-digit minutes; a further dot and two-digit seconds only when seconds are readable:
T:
7.16
